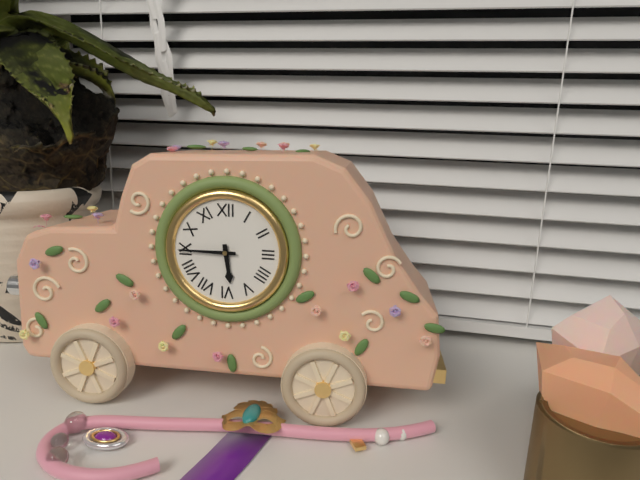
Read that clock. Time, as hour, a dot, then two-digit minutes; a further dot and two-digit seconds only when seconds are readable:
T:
5.45
